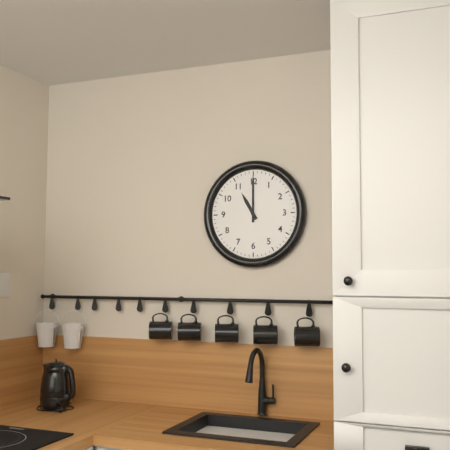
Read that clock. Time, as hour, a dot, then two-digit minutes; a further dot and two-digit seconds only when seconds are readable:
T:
11.00
